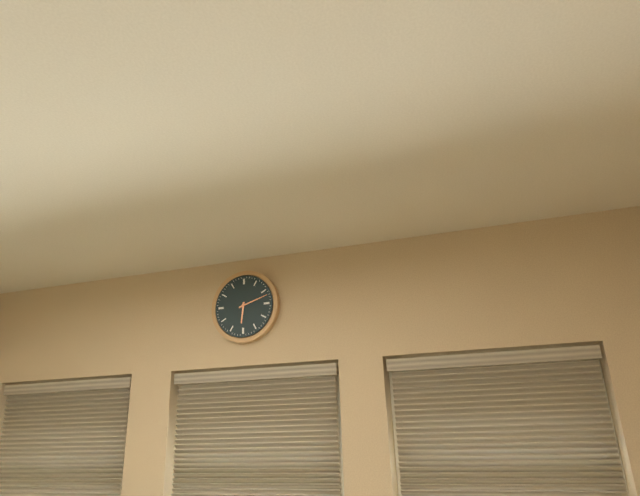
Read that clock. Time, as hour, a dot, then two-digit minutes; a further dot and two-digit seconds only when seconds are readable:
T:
6.12
